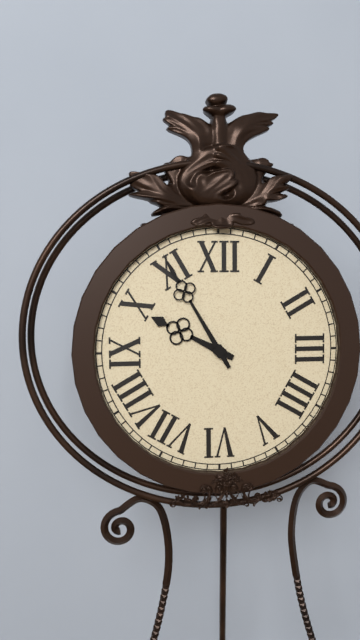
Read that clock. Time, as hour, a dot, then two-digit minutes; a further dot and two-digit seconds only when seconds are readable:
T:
9.55
